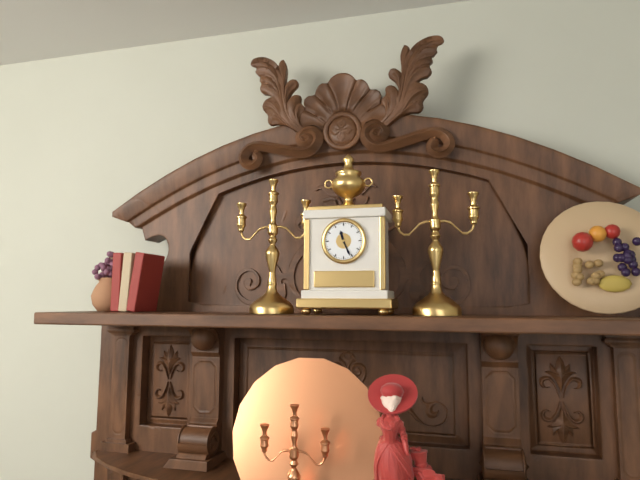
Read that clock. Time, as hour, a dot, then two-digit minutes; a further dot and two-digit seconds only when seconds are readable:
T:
11.26
